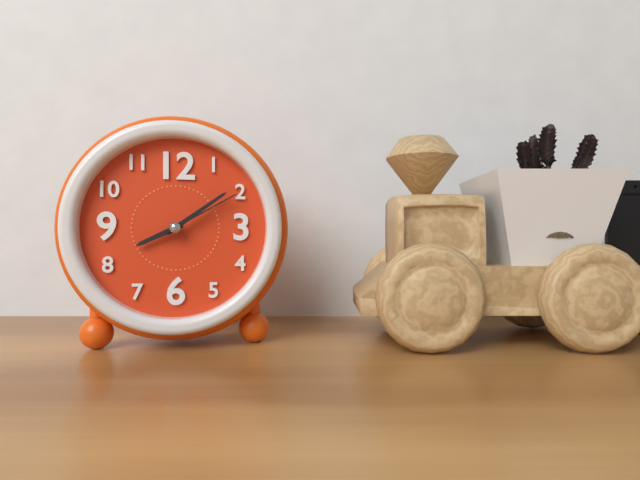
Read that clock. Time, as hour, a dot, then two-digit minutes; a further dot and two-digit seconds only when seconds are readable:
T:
8.09.10
